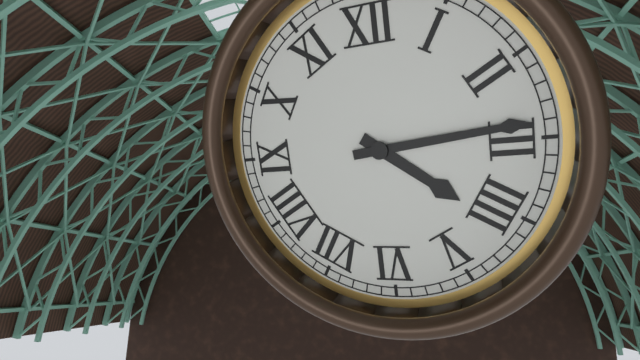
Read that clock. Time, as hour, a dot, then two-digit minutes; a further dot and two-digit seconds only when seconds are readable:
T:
4.14
